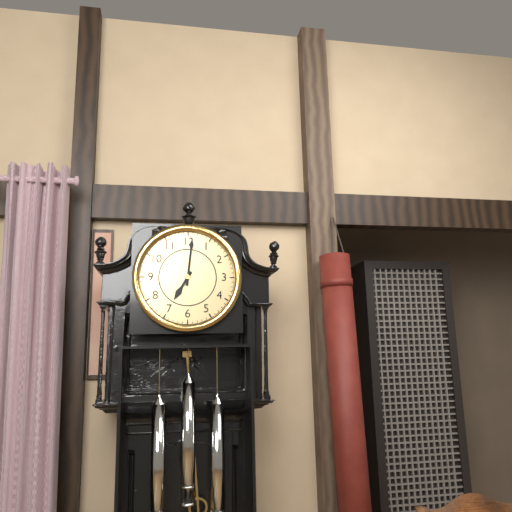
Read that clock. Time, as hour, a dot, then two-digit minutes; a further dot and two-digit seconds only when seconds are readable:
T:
7.01
